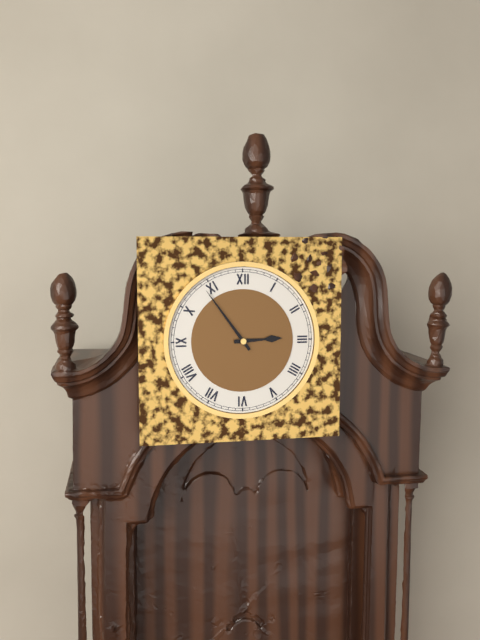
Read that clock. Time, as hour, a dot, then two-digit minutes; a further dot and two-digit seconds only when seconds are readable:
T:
2.54
